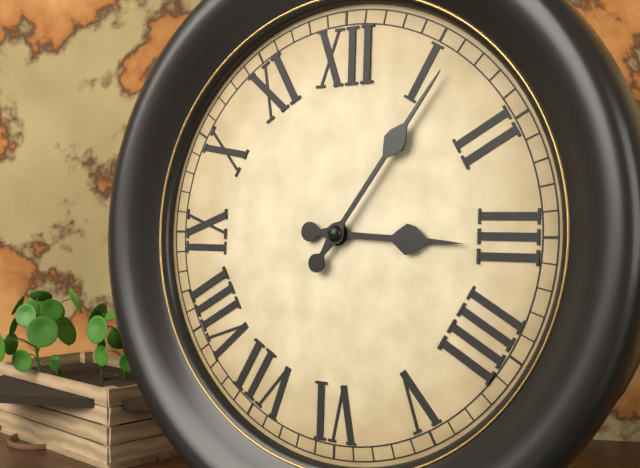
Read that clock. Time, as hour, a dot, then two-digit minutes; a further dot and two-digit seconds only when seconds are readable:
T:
3.06
